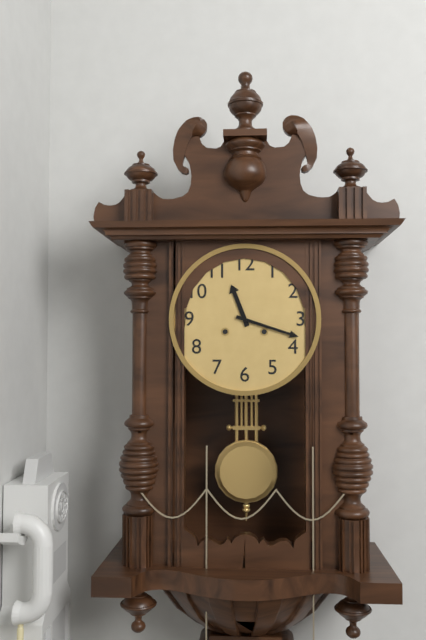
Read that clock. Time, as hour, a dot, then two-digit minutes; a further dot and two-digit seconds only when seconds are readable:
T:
11.18
